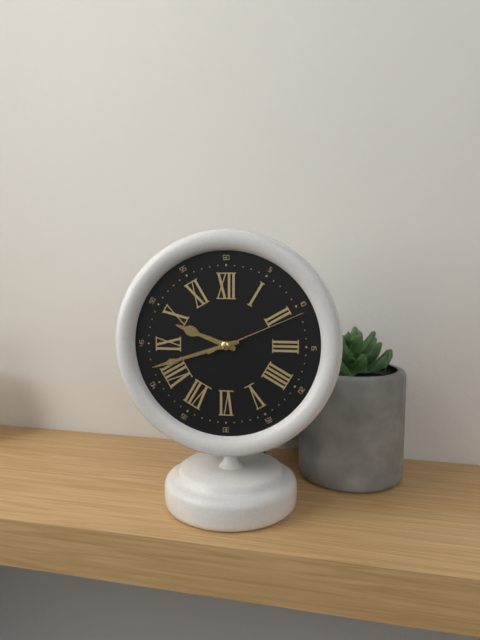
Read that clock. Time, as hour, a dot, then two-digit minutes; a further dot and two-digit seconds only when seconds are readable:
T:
9.42.11
